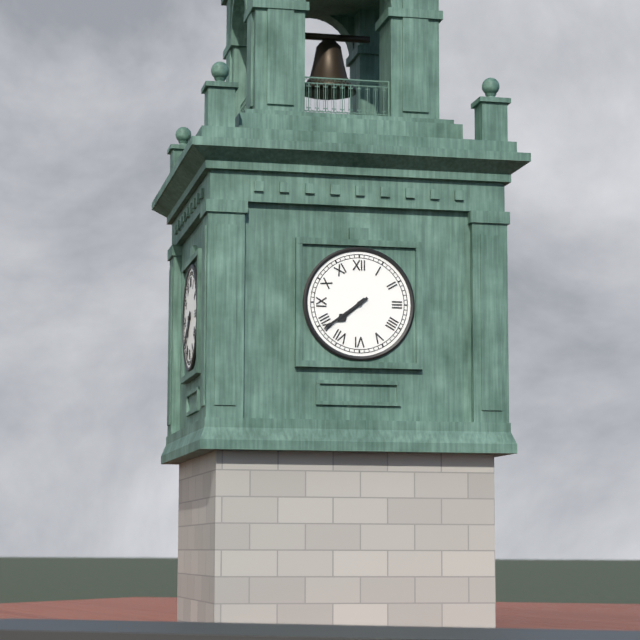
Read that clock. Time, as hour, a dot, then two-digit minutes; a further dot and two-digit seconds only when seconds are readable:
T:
7.39
